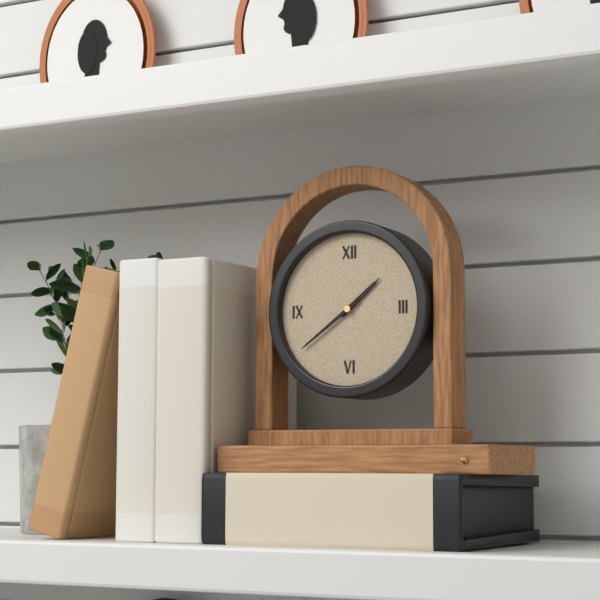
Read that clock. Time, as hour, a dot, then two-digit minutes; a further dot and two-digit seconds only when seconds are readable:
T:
1.39
